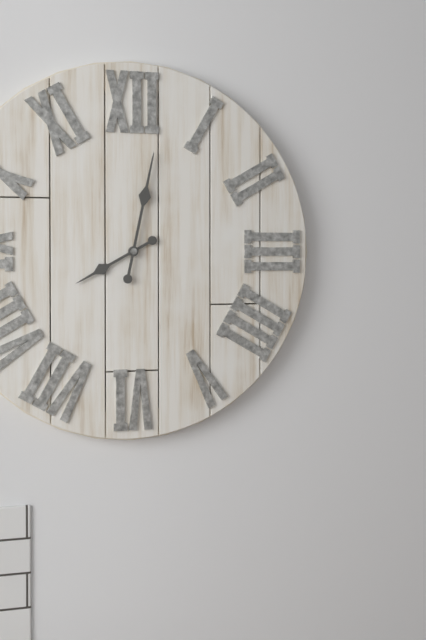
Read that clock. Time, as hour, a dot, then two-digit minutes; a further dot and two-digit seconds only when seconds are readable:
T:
8.02
